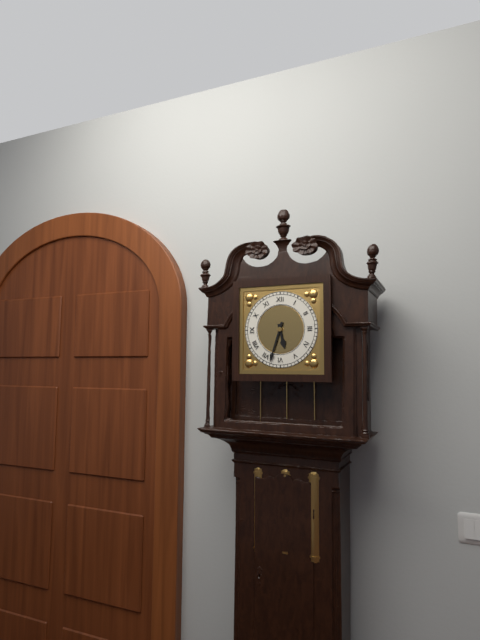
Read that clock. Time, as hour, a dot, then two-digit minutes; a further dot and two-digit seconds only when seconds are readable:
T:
5.33
